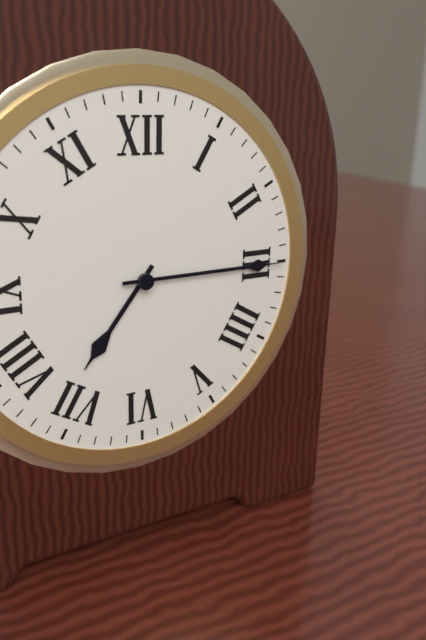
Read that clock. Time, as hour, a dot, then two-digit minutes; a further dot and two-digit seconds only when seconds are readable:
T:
7.15
